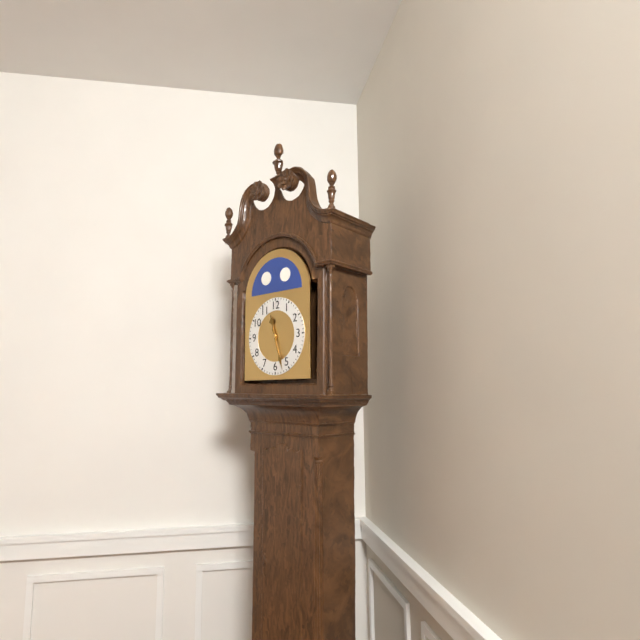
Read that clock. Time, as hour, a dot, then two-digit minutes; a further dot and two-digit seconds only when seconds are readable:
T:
11.27
